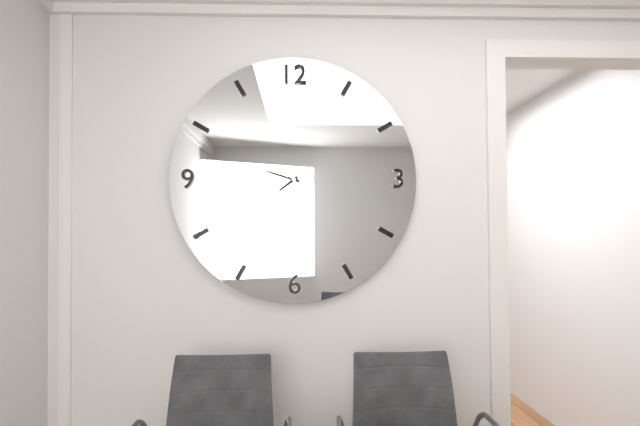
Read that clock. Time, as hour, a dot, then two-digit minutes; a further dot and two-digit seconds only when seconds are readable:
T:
7.48
